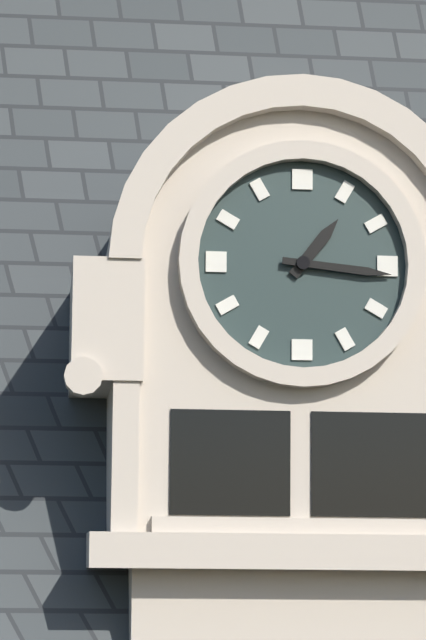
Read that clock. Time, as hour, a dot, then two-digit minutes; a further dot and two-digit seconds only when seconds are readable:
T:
1.16
